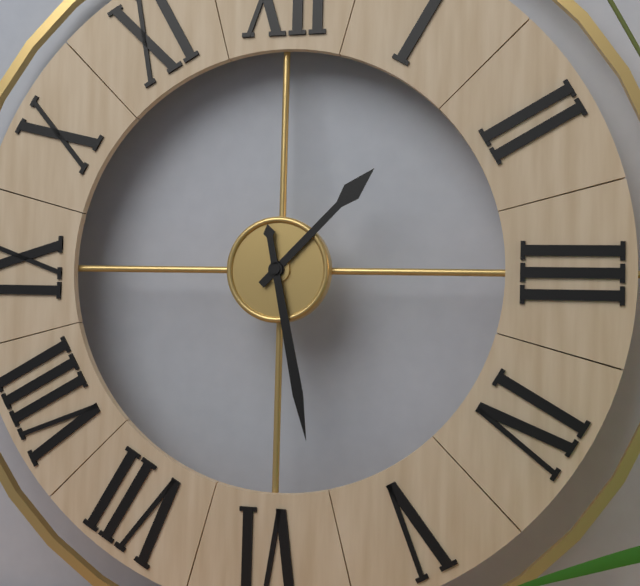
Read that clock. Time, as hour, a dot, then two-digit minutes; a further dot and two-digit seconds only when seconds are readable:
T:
1.28
